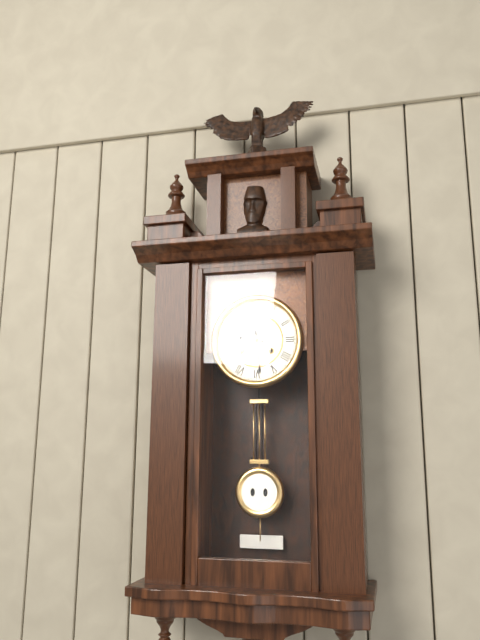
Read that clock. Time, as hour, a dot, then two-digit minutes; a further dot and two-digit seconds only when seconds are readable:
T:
9.29
